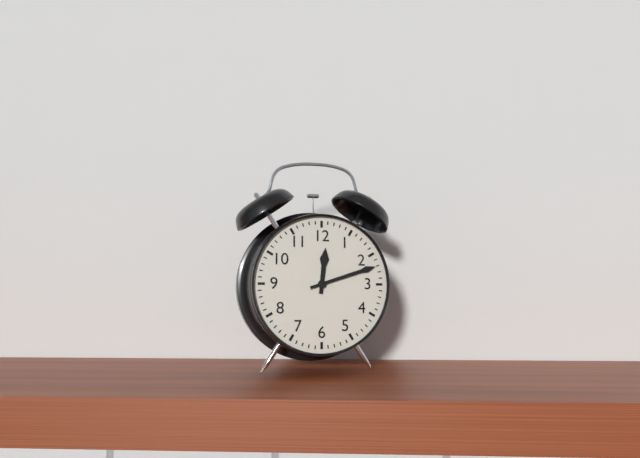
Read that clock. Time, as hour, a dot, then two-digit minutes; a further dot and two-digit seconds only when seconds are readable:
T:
12.12
